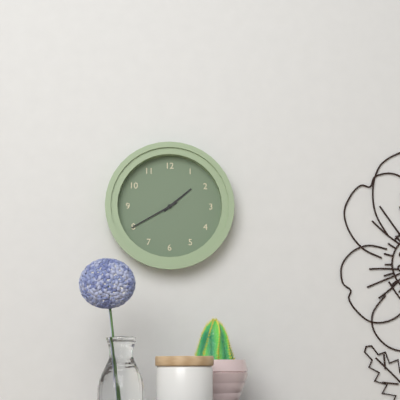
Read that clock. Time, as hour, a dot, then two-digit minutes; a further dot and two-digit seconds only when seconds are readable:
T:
1.40
